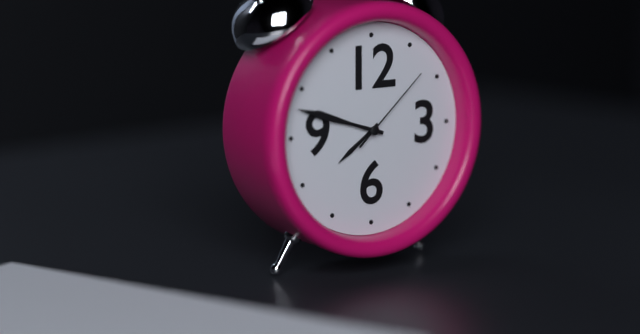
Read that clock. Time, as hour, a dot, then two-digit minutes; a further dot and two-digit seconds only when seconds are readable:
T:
7.48.08
